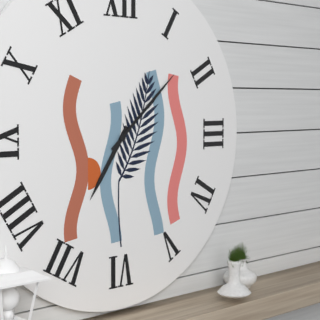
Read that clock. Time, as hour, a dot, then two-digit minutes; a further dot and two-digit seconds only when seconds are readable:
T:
7.08
